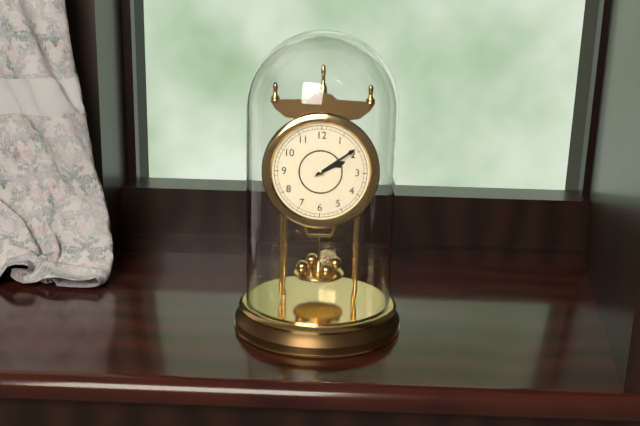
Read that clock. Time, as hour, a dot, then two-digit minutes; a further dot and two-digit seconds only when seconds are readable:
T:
2.09
